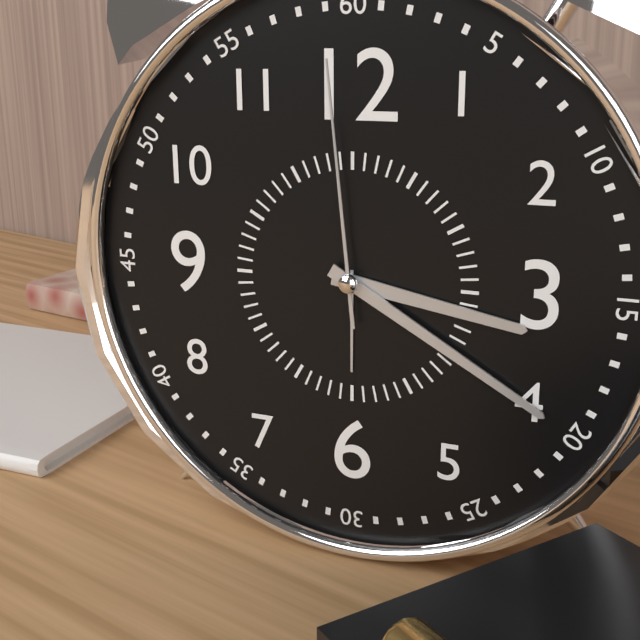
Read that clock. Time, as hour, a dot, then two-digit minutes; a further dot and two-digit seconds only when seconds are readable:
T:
3.20.59
